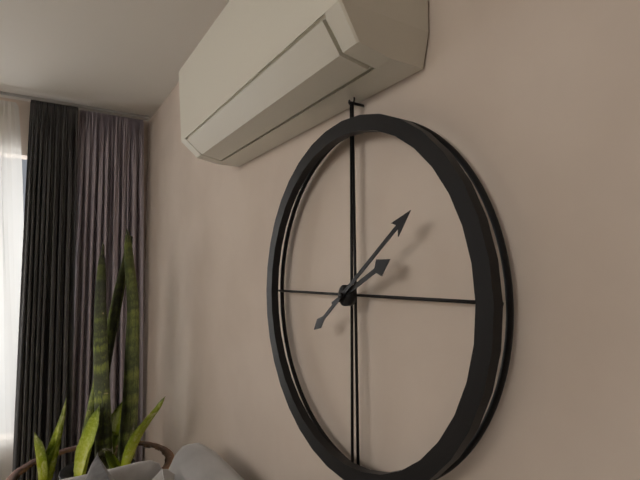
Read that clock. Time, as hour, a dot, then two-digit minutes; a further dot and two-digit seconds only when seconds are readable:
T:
2.09
